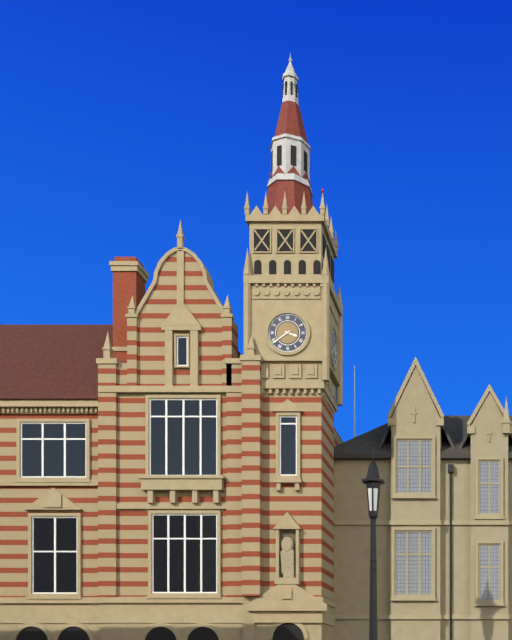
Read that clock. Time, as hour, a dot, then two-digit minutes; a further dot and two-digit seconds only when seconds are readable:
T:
3.39
